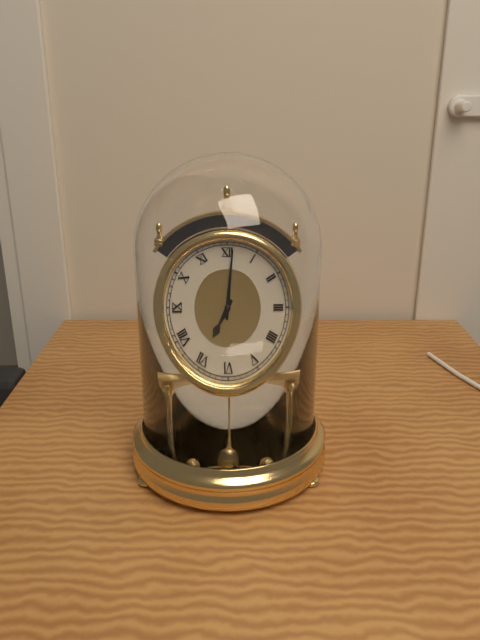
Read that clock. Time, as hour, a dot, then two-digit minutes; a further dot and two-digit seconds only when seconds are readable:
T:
7.01
